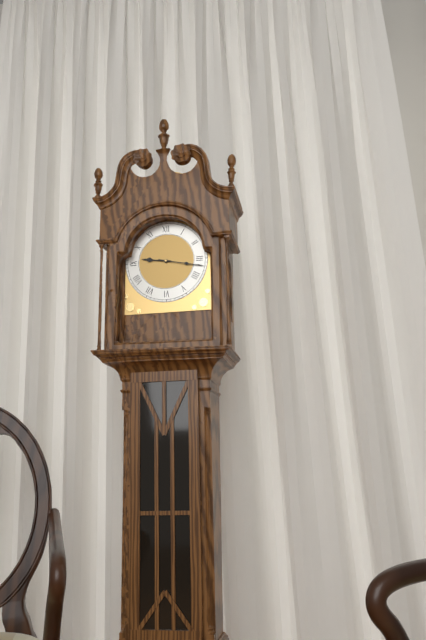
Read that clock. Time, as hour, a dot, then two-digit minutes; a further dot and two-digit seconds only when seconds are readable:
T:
9.17
